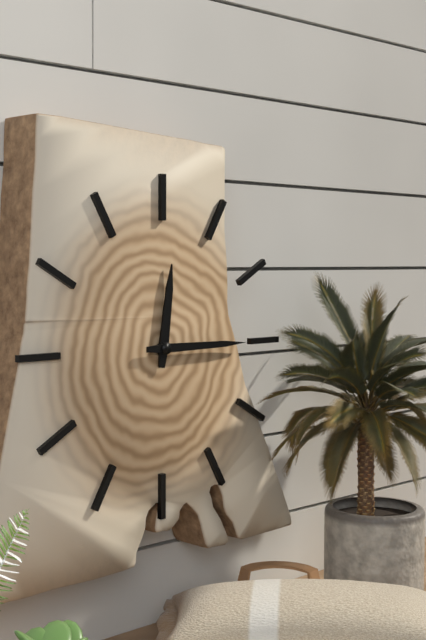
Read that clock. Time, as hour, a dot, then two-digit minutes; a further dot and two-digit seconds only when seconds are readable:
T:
12.15
